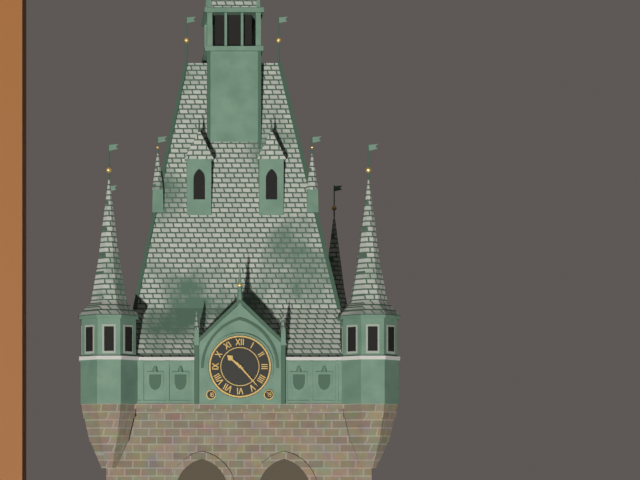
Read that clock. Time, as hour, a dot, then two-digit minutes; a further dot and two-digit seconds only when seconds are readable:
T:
10.23
